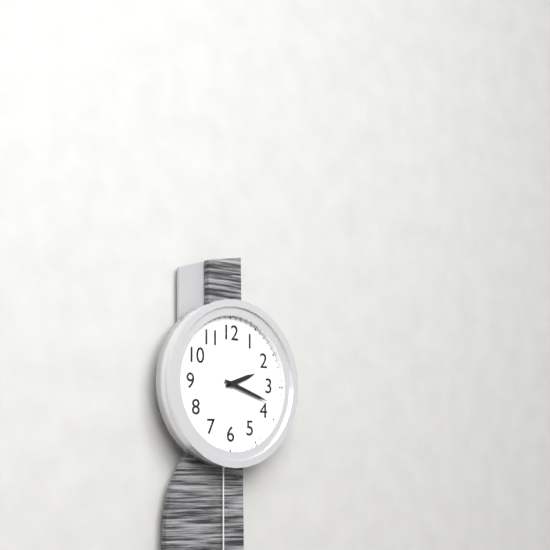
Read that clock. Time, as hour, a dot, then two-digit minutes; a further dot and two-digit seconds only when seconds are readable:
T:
2.18
